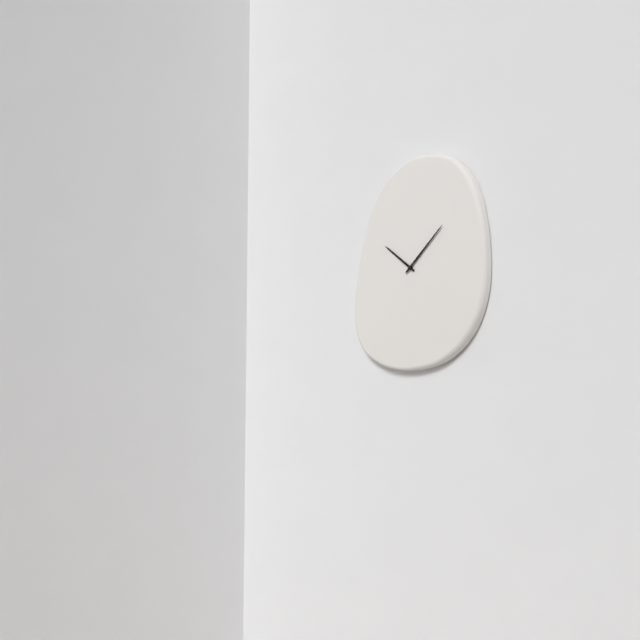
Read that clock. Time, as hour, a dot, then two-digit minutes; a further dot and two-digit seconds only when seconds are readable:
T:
10.08
